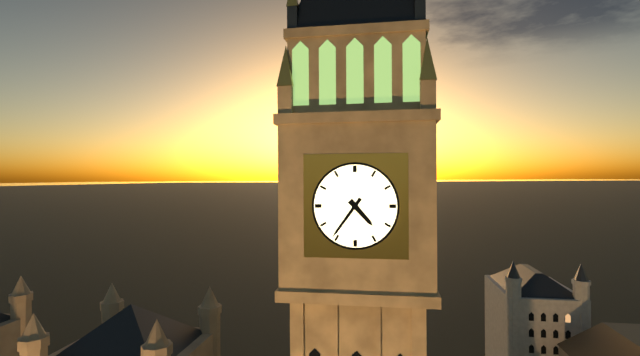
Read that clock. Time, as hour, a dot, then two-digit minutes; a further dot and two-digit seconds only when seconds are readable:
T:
4.36
